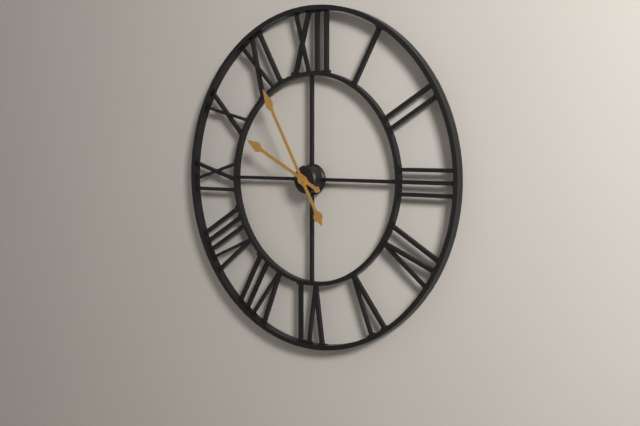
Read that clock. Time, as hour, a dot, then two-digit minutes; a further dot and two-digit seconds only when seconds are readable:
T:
9.55
